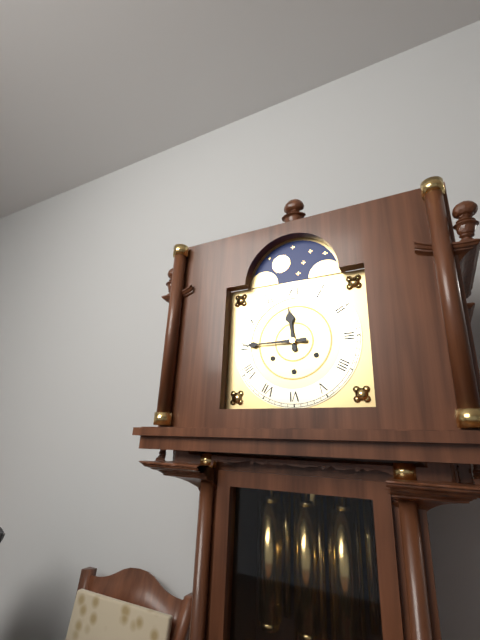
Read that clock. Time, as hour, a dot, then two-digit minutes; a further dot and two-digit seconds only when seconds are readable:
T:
11.45
